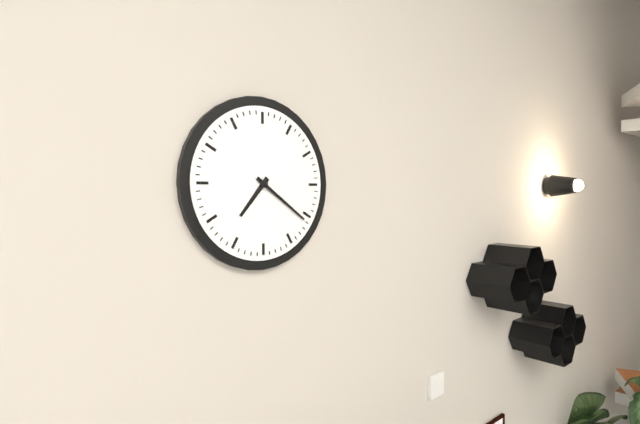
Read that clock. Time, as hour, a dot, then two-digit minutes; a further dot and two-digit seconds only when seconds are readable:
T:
7.21
